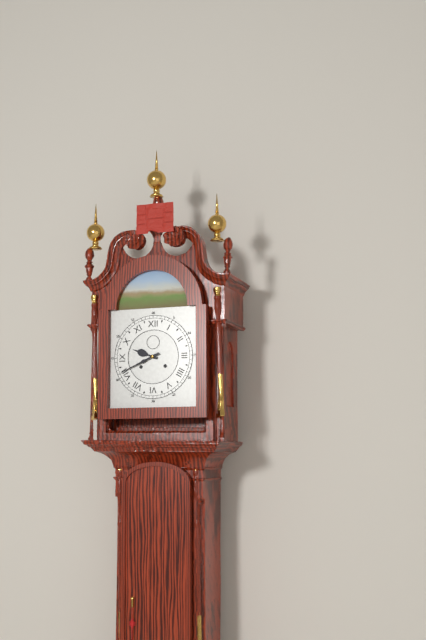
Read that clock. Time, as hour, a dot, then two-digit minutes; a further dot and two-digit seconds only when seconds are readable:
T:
9.41
